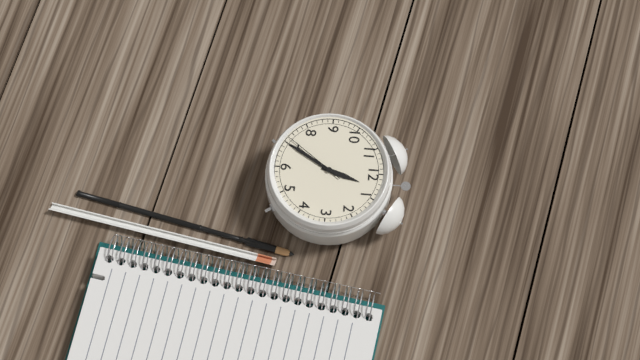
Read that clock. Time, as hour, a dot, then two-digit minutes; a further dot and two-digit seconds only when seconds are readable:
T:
12.35.36
